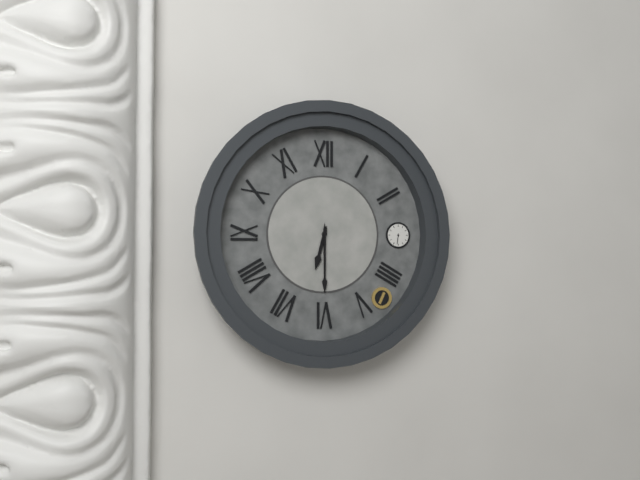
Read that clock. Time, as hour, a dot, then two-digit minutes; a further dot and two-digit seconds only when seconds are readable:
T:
6.30
